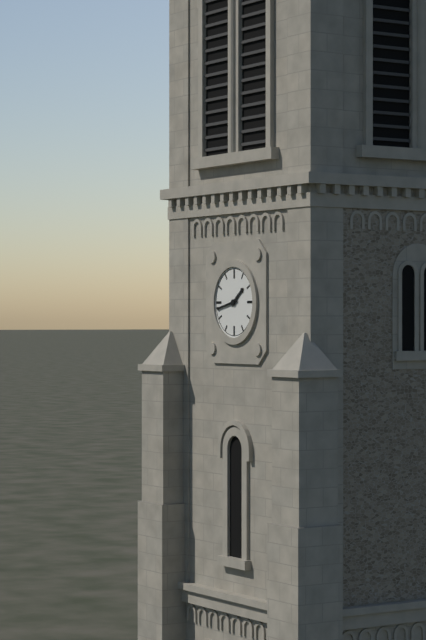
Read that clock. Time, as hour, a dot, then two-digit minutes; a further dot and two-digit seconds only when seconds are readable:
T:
1.43
